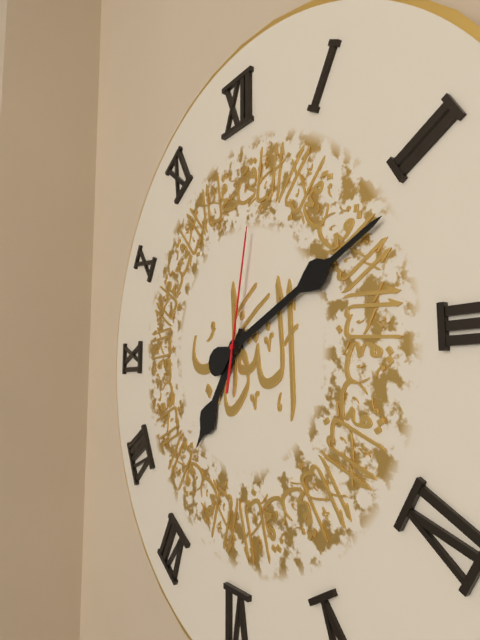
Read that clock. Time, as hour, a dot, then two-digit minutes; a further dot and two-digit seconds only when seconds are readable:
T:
7.11.02
